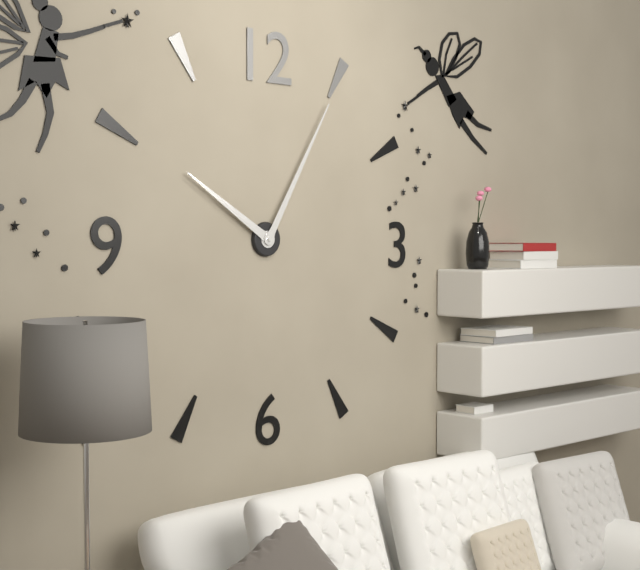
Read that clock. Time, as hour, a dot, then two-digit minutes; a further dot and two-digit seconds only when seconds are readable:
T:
10.05
